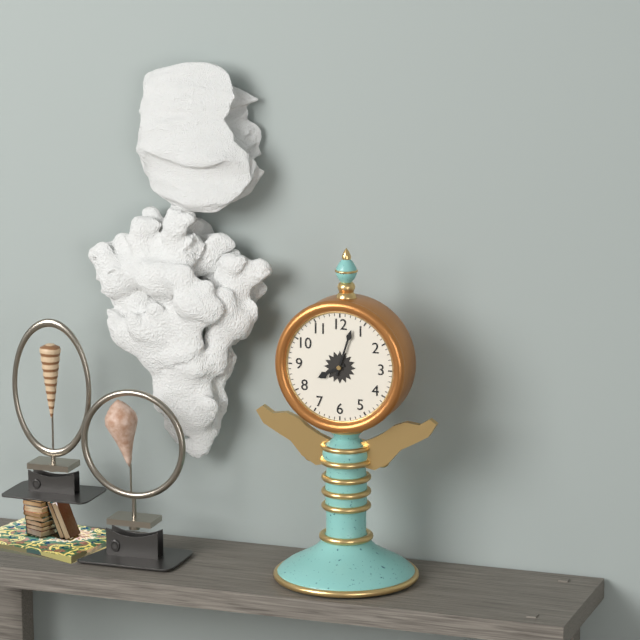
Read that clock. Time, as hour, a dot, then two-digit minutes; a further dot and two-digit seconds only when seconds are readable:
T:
8.03
